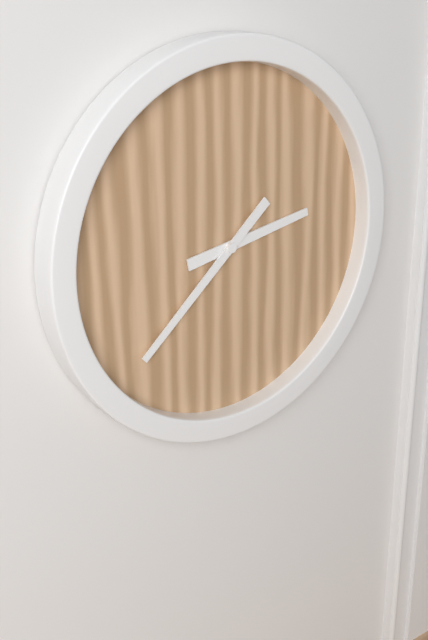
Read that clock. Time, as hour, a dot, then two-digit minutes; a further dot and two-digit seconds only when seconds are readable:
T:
2.38
